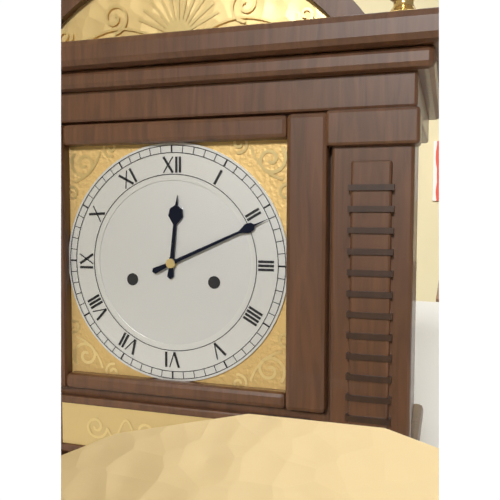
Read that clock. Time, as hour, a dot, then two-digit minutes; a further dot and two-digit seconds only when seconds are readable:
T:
12.11
